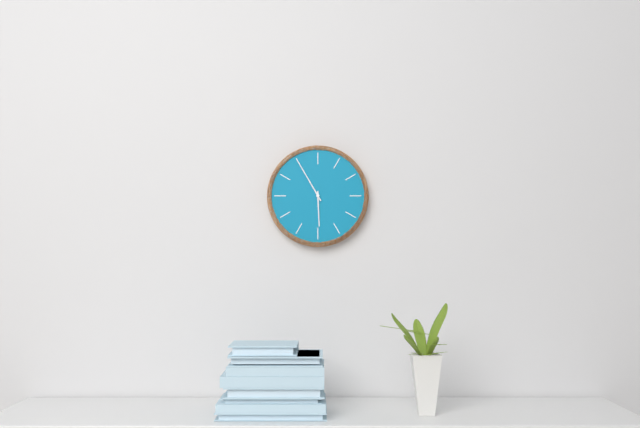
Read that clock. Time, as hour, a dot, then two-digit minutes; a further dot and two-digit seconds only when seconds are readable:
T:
5.55
